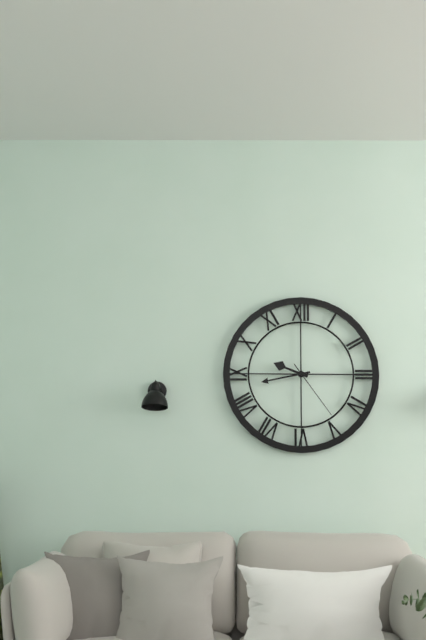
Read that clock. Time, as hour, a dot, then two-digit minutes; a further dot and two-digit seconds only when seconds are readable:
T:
9.43.24
